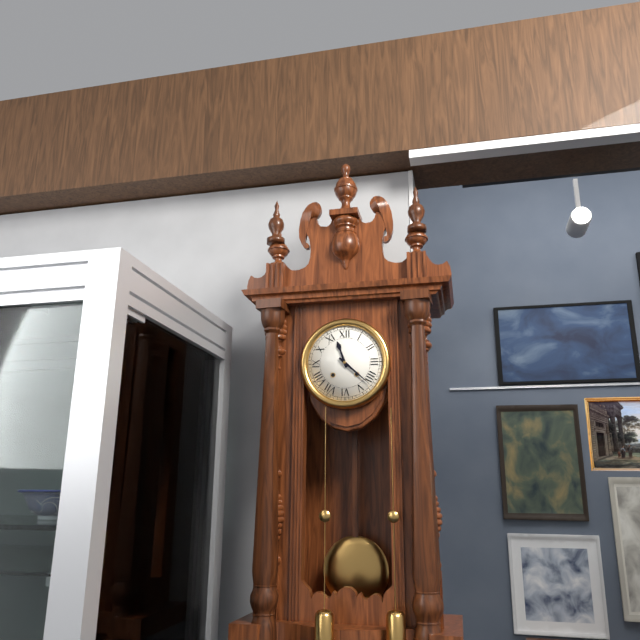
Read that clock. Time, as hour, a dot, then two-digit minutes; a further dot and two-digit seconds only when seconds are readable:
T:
11.22
